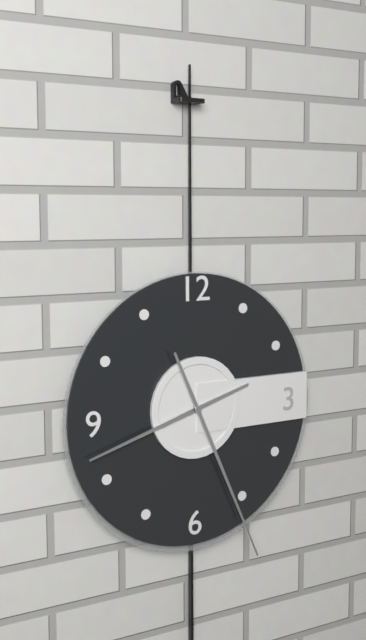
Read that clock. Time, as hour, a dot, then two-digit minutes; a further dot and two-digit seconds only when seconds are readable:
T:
8.26
